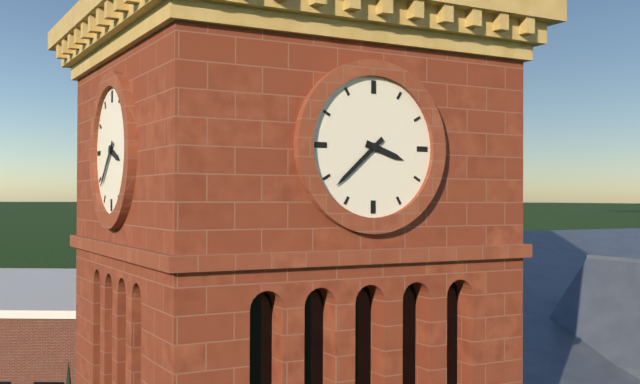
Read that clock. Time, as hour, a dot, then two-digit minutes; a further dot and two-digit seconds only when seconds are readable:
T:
3.38
